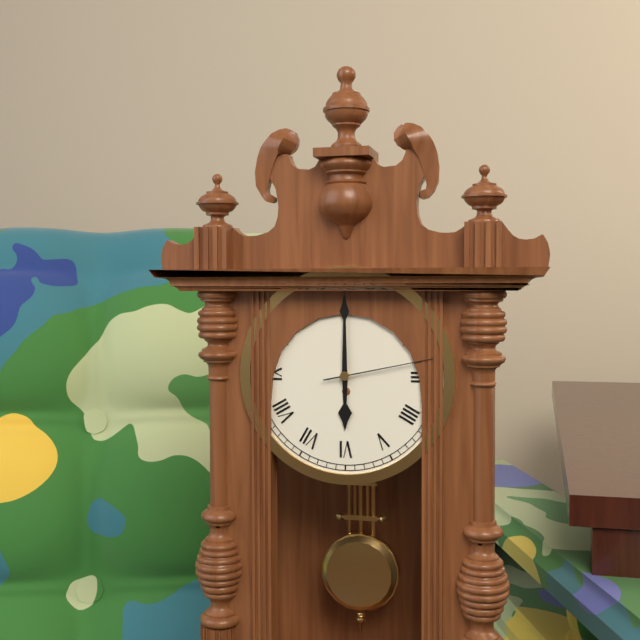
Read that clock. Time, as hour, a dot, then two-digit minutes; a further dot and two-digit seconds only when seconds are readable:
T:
6.00.13
